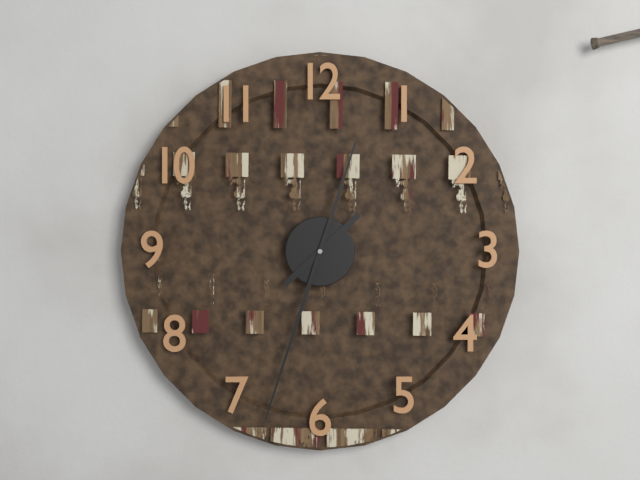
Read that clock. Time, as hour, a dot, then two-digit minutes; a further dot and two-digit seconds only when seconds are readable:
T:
1.33
